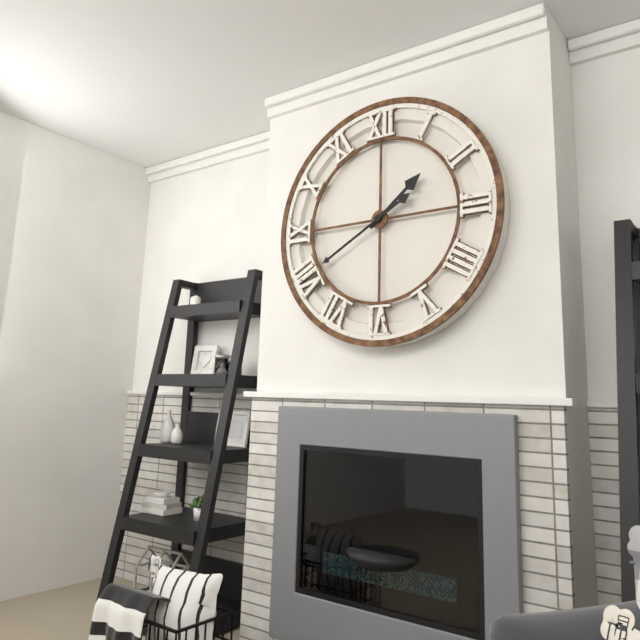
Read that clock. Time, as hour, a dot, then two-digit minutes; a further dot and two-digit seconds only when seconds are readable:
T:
1.40
